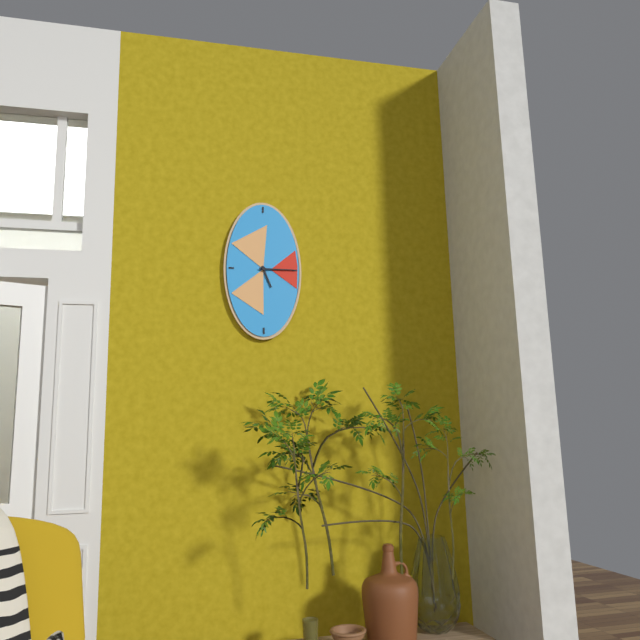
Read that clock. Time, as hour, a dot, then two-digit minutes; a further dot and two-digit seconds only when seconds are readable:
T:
5.15
